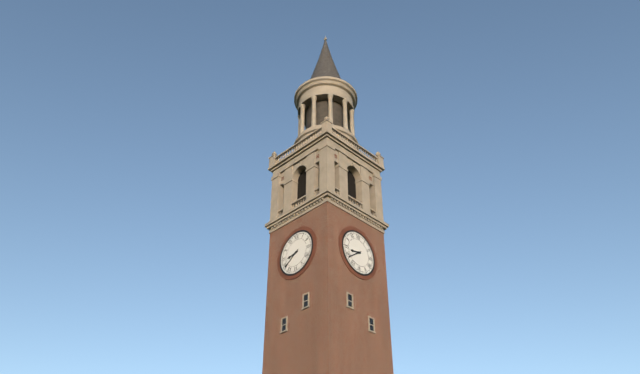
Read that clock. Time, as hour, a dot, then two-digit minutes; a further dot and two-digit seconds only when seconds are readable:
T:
8.39
